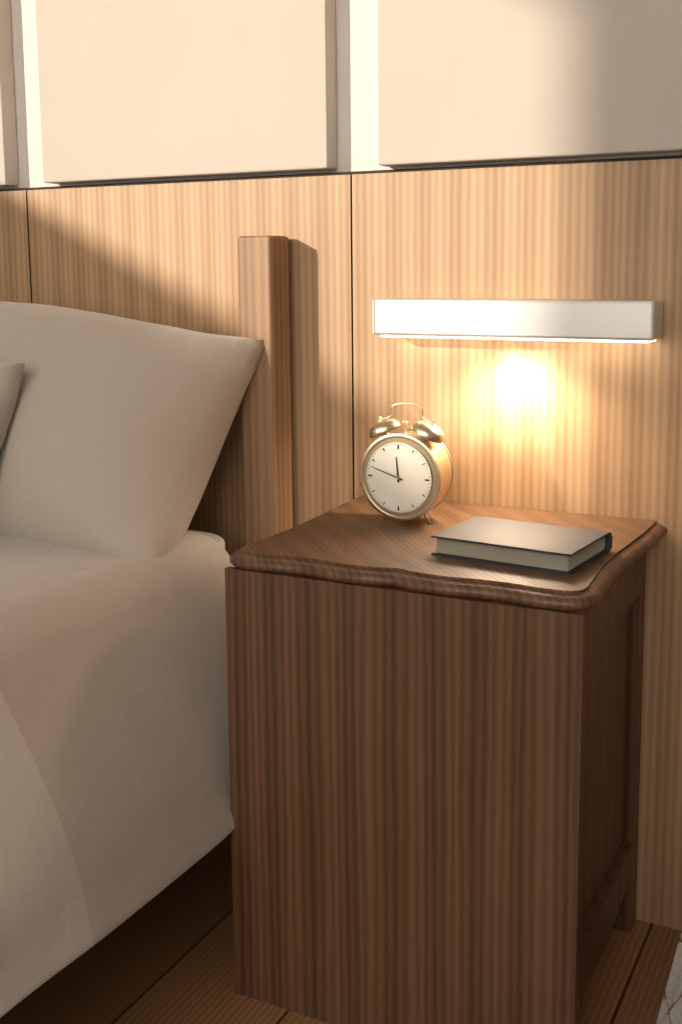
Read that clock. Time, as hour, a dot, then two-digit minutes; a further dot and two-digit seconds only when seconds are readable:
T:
11.48
